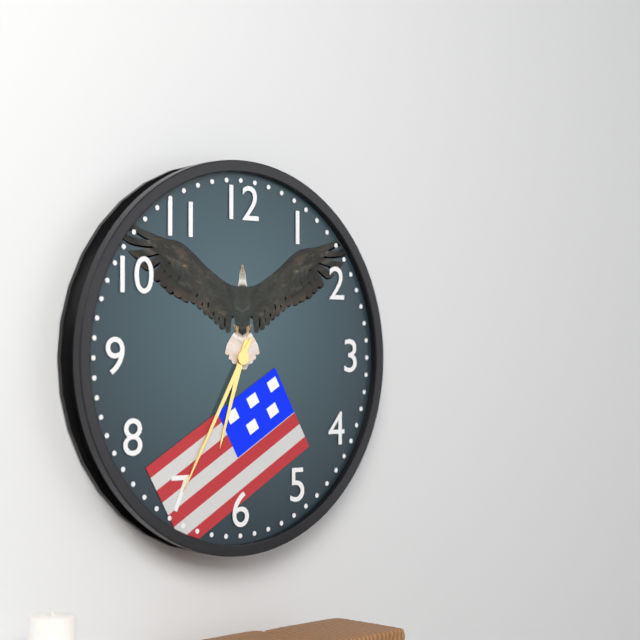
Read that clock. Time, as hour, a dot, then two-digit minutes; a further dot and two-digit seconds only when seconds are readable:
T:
6.35
